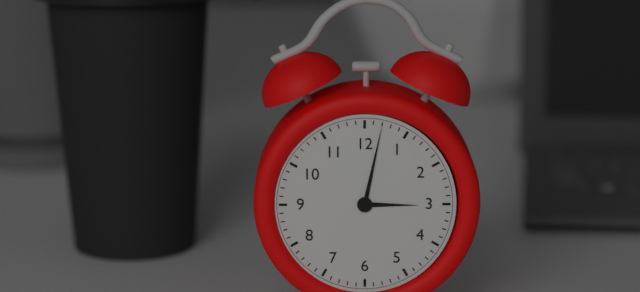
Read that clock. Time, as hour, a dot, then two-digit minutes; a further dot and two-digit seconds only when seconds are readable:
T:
3.02
